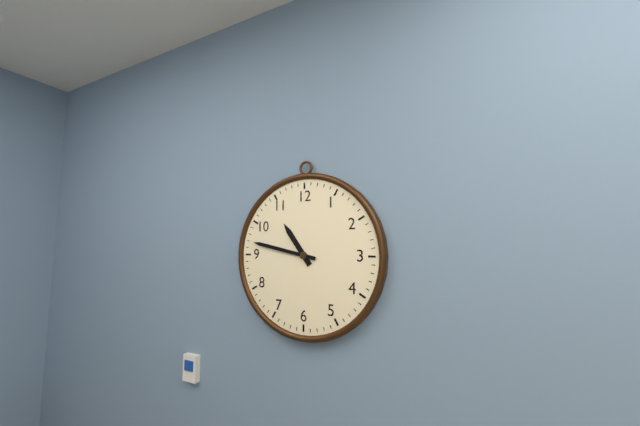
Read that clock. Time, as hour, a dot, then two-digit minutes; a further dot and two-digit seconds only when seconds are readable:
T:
10.47
